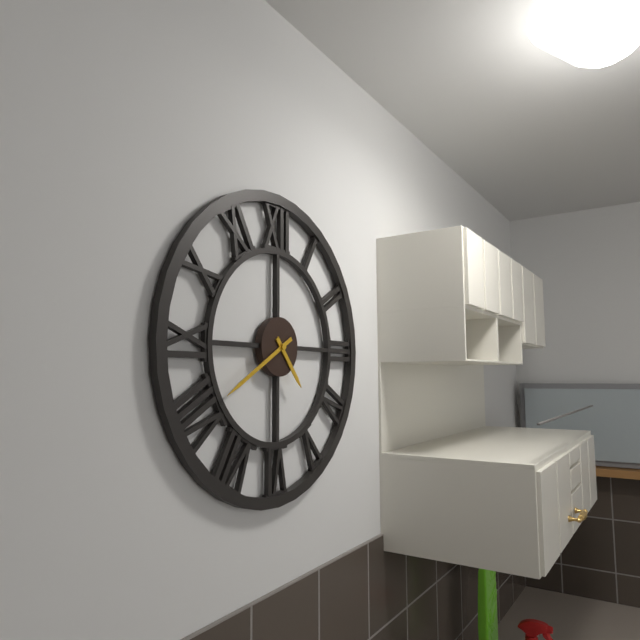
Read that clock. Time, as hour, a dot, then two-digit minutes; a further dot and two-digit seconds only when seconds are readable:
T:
4.40
